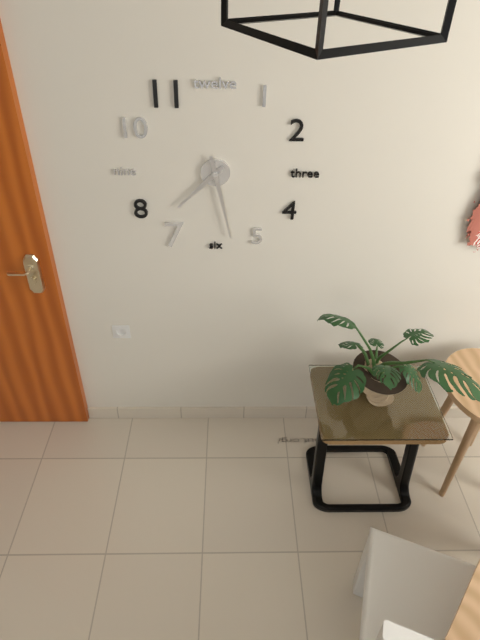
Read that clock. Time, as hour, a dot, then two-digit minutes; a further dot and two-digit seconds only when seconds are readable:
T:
7.28
